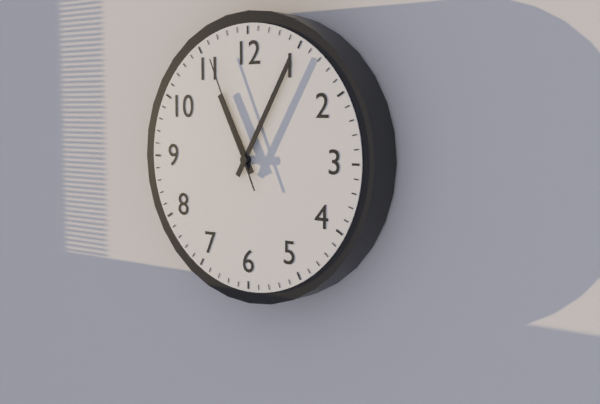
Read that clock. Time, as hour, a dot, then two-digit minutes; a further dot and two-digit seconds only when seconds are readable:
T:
11.05.56
